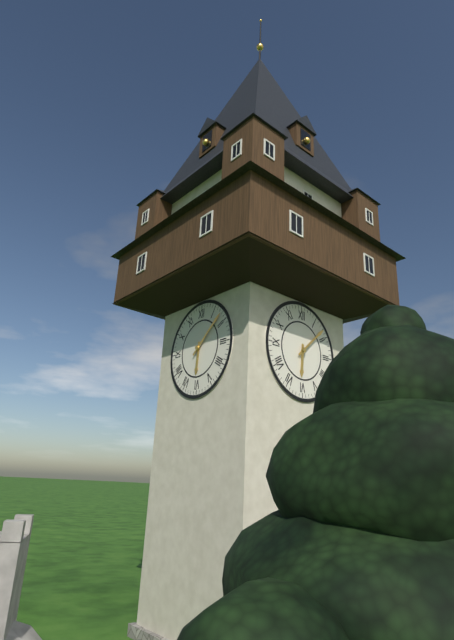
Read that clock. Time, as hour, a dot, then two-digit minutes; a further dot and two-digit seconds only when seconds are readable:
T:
6.08
